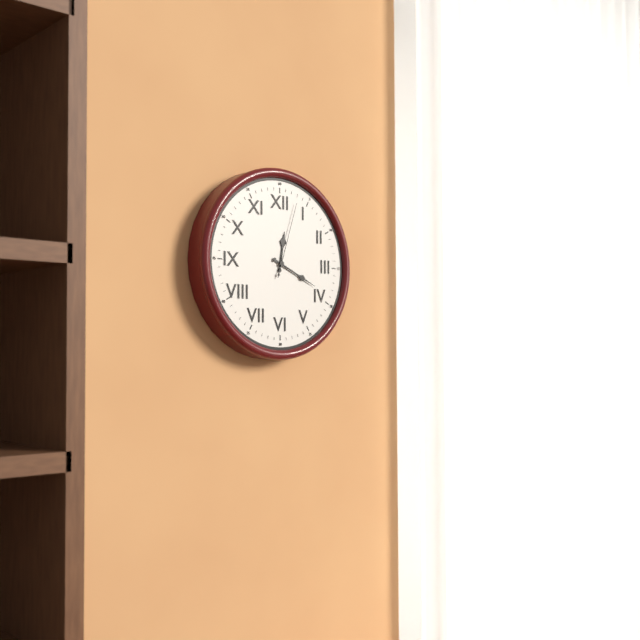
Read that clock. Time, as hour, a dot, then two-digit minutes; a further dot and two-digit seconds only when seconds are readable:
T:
12.19.03
